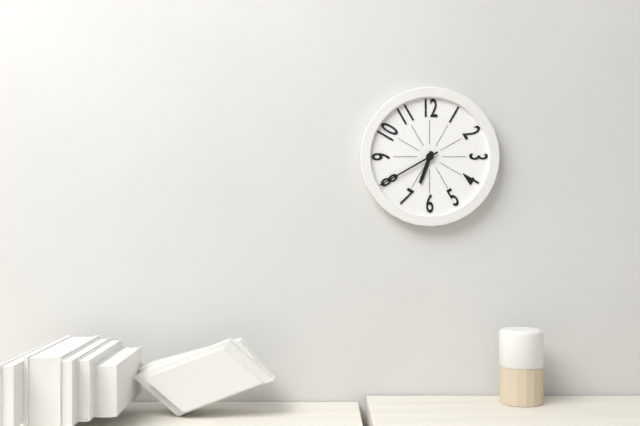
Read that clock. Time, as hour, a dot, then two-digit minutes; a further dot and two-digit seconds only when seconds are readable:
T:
6.40
